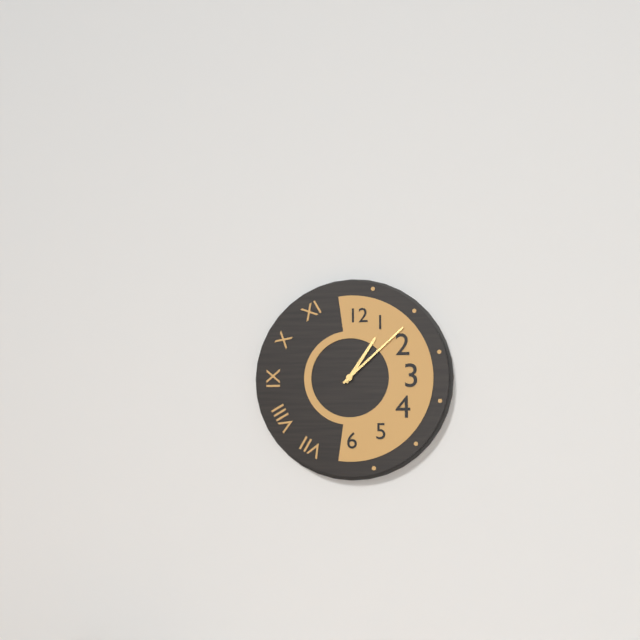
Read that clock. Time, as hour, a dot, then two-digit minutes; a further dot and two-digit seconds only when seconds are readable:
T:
1.08
